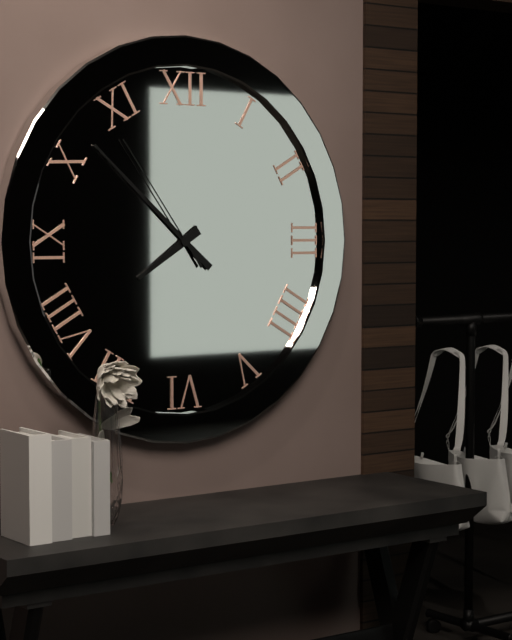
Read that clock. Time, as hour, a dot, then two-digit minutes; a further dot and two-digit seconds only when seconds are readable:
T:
7.52.54
